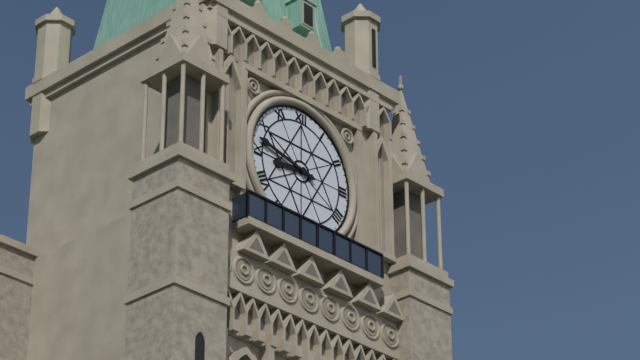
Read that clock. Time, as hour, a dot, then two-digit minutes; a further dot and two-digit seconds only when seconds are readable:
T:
8.47
